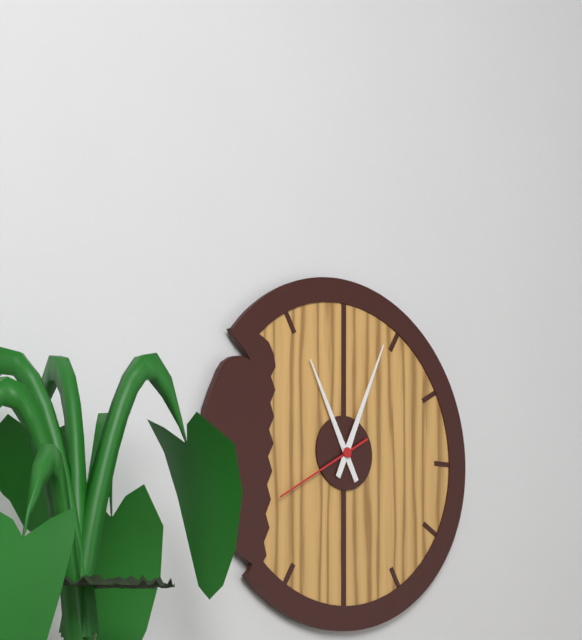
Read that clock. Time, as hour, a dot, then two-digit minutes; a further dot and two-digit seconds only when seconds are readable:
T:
11.04.40
